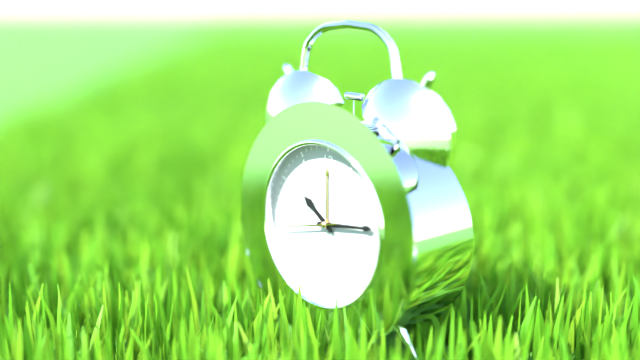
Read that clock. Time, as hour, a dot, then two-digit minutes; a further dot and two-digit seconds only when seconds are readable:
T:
10.14.43
